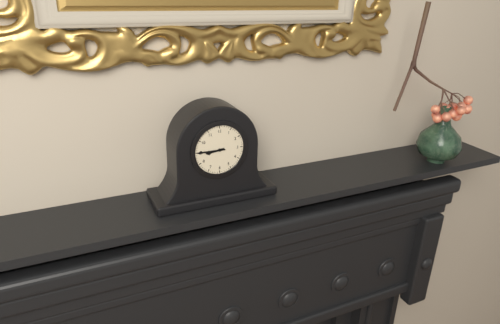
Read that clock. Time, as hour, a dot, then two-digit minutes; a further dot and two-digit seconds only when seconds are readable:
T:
8.45
